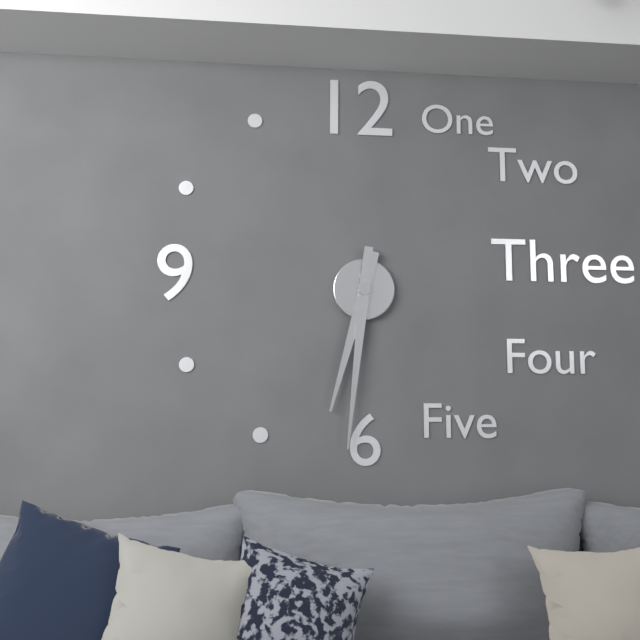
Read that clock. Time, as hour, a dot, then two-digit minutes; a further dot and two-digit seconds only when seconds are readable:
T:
6.31
